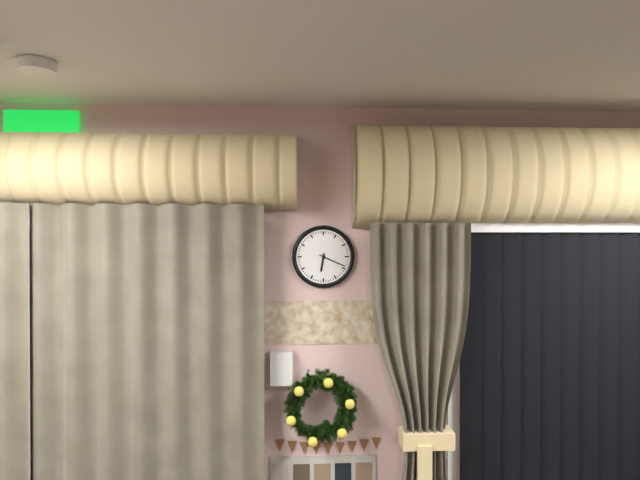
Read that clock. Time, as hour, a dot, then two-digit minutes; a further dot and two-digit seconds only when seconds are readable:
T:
6.19
